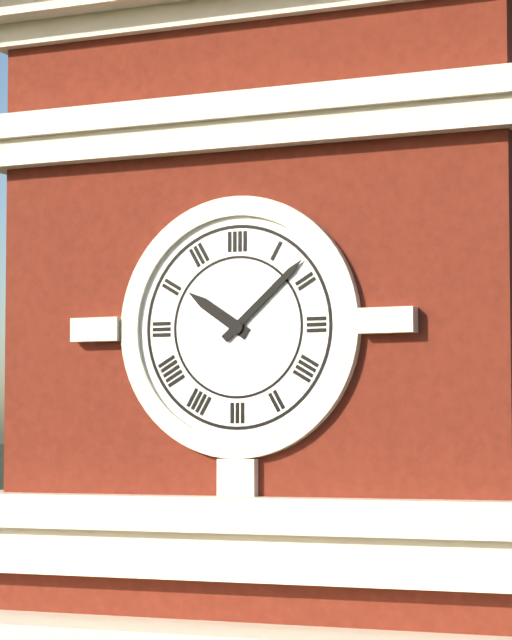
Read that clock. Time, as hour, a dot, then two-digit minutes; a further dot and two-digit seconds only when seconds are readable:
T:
10.08
